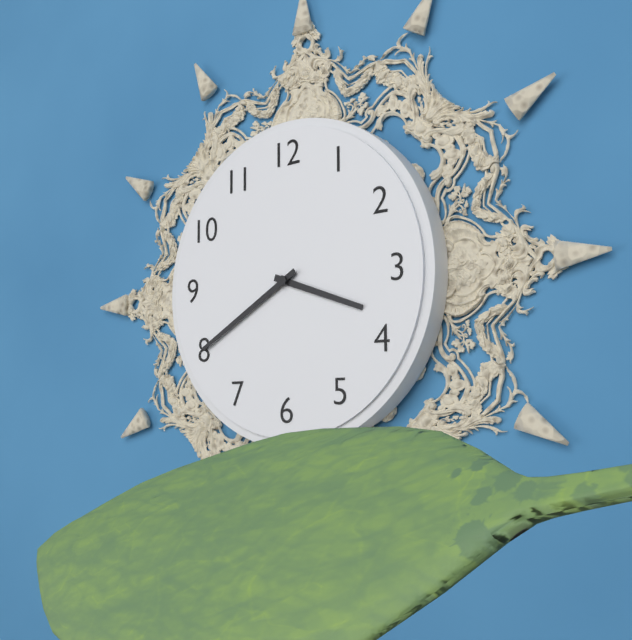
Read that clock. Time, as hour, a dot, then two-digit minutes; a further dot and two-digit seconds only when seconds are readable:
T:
3.40
